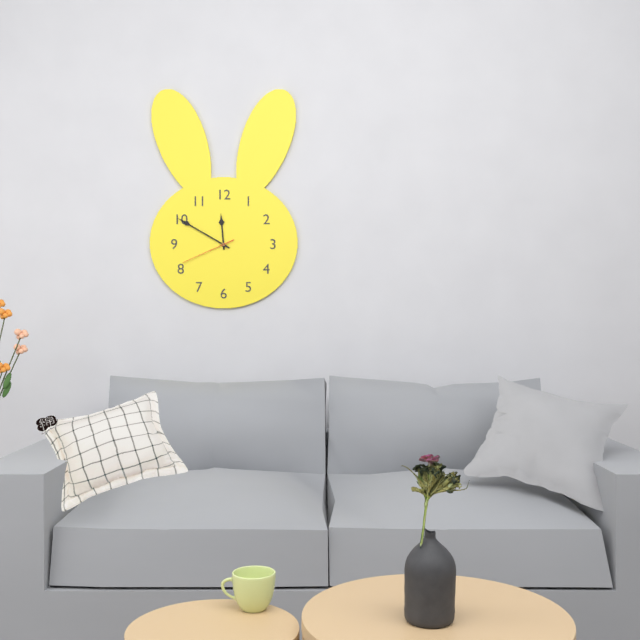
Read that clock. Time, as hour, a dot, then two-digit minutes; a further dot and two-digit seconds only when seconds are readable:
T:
11.50.41
